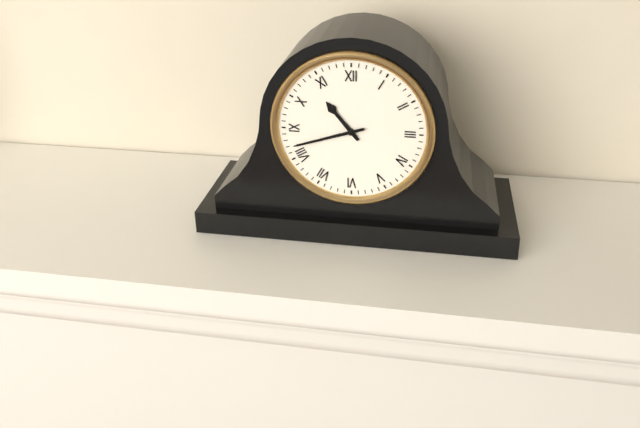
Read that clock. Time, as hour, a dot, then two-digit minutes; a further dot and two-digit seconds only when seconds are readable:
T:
10.42
